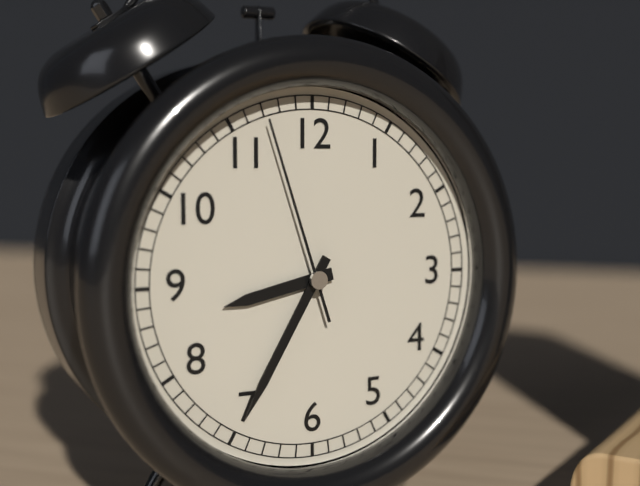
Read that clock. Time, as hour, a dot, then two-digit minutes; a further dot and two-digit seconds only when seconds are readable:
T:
8.35.57
